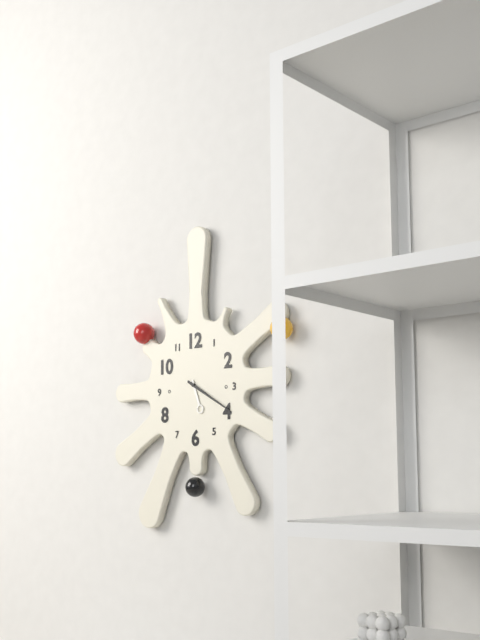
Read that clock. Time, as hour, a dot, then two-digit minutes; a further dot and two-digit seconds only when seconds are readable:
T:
5.20
